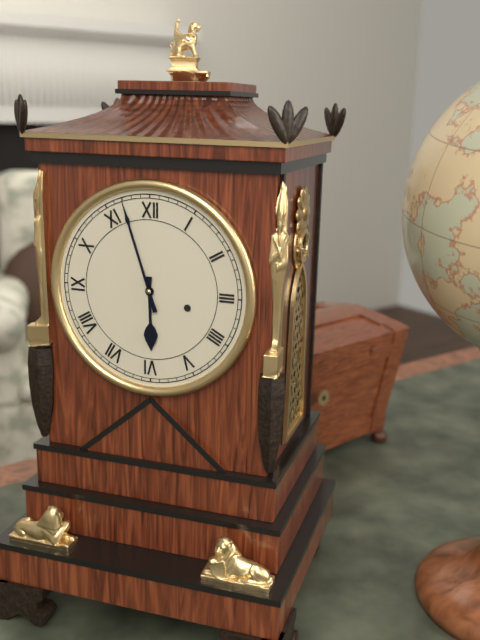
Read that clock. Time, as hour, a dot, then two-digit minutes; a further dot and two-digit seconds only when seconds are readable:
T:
5.57
